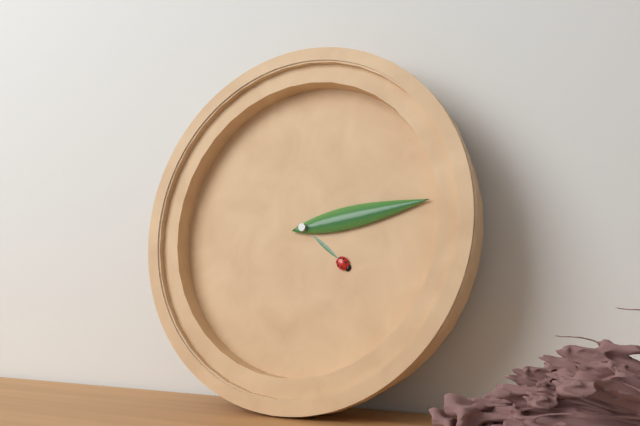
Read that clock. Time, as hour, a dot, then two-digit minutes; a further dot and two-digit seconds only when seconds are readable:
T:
4.13
